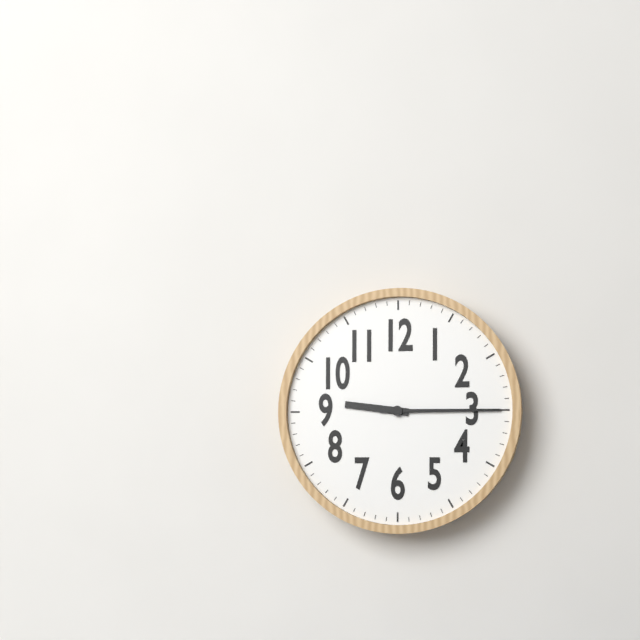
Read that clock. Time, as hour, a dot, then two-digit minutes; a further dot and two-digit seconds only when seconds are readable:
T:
9.15
